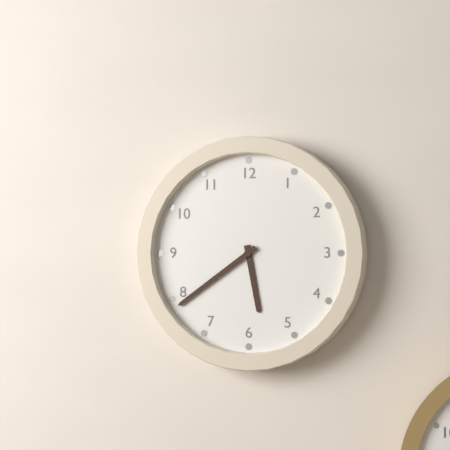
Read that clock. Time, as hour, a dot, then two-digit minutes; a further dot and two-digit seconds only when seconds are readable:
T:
5.39
